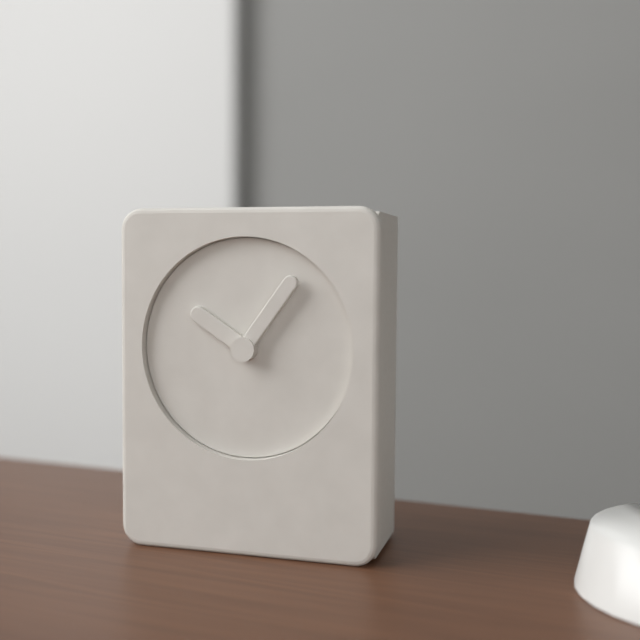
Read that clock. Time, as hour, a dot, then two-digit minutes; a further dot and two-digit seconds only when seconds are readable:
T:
10.06
